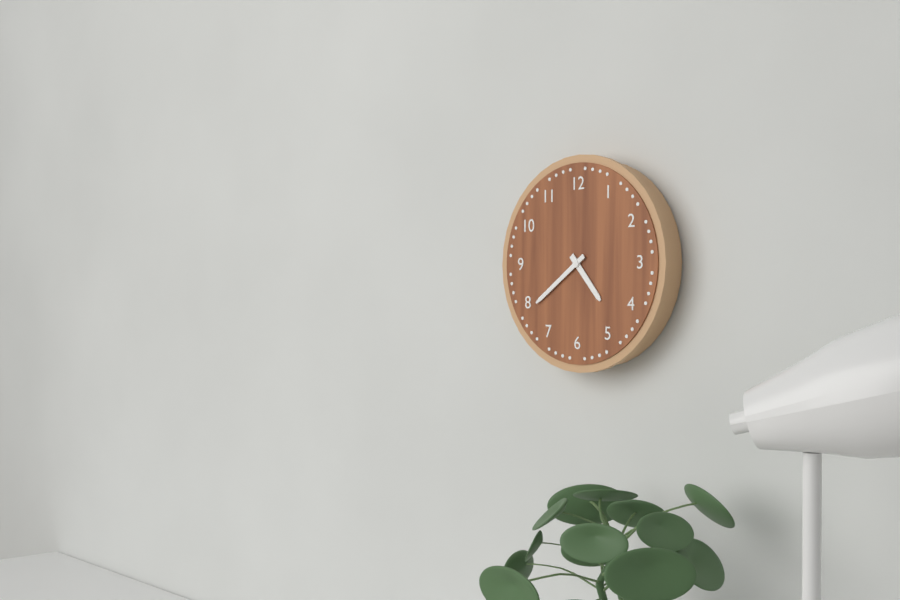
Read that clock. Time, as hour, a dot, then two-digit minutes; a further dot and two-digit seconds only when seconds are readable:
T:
4.39
